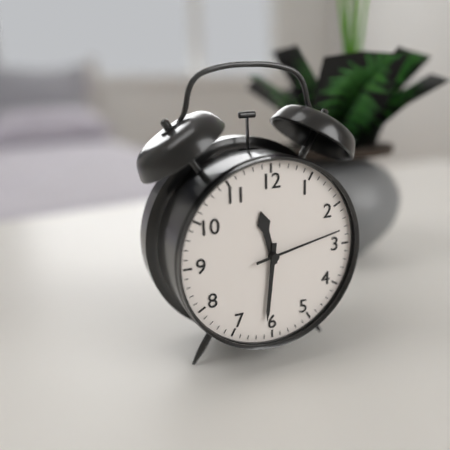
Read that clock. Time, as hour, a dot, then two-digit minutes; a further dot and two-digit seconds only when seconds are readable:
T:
11.31.13
